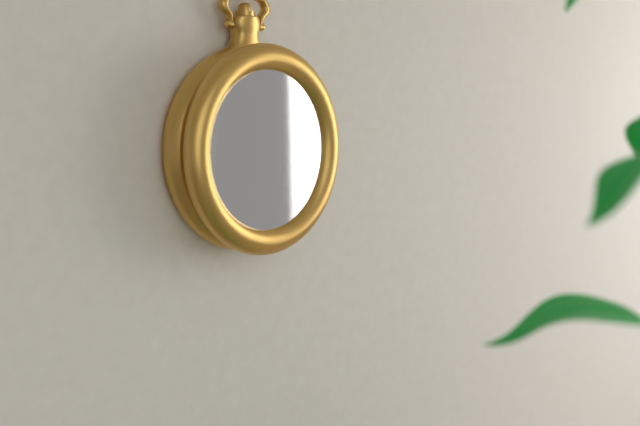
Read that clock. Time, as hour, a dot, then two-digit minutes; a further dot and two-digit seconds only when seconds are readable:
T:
12.43
